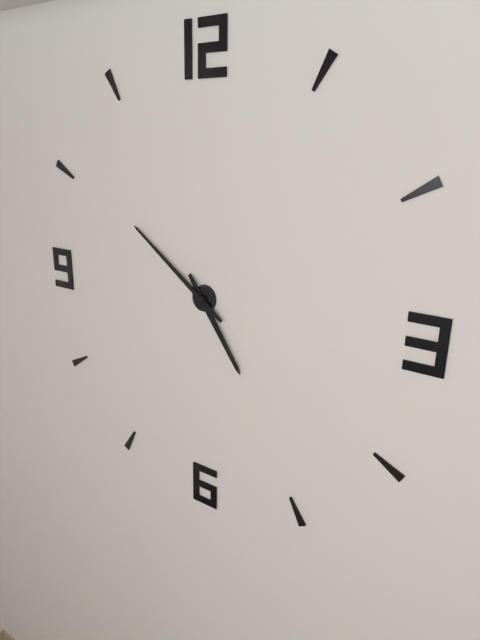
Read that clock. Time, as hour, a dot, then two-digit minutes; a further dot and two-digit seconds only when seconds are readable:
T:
4.51
